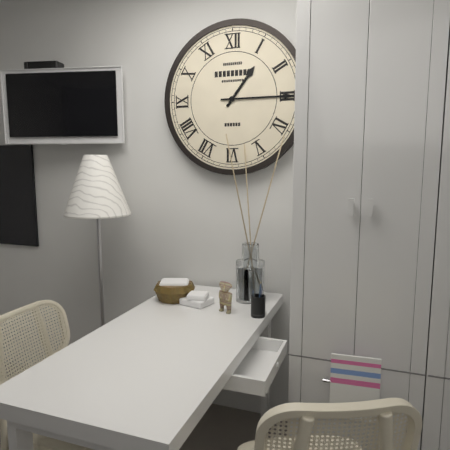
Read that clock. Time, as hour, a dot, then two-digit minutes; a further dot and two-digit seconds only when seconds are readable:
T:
1.15
